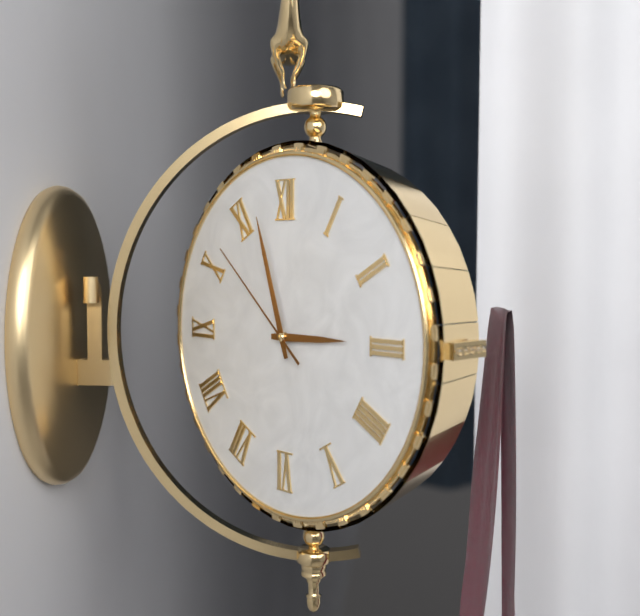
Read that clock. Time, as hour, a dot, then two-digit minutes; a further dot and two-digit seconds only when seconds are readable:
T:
2.57.52
